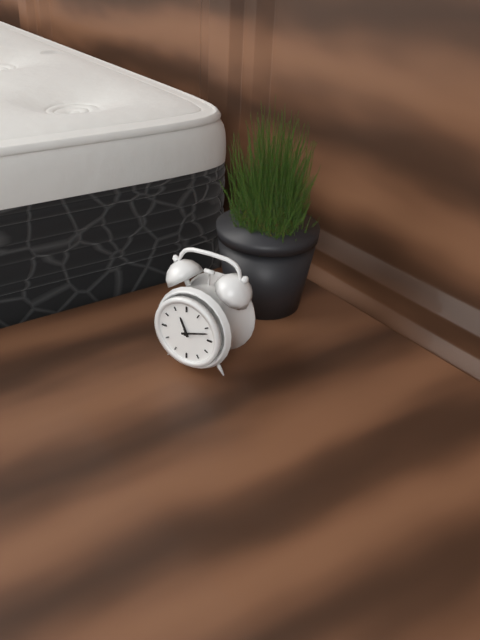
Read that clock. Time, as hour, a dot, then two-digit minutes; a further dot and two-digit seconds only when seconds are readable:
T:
11.12
